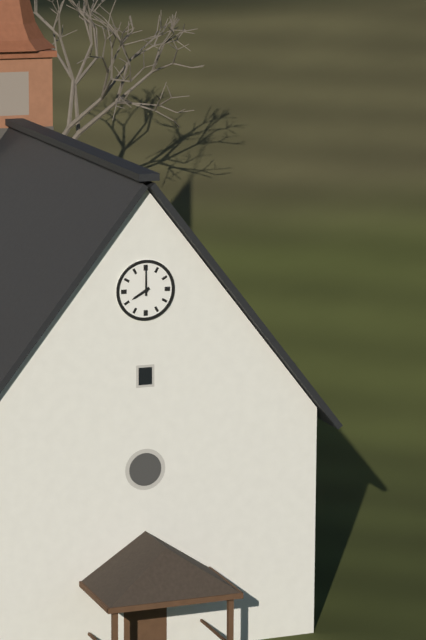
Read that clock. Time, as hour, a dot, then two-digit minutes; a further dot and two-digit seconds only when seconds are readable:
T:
8.00
